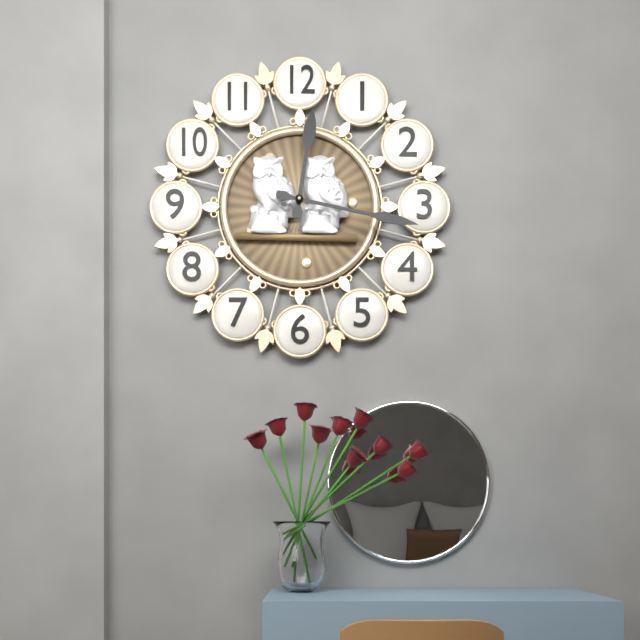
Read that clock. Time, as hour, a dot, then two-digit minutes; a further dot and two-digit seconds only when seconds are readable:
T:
12.17
